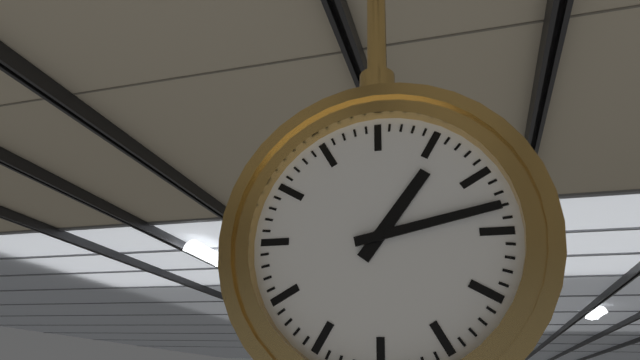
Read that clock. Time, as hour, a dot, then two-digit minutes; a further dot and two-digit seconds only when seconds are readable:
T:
1.13
